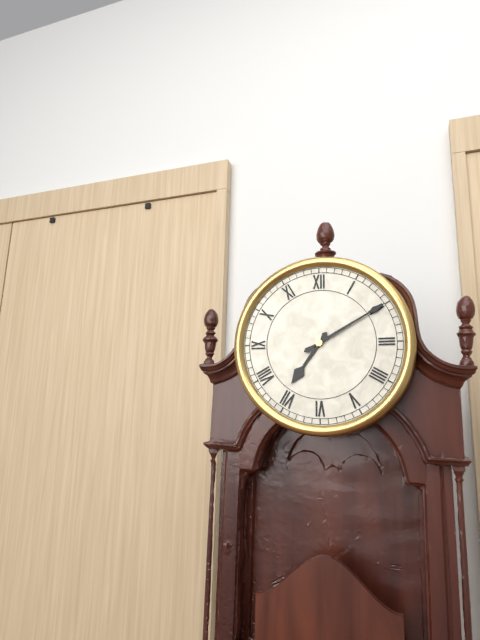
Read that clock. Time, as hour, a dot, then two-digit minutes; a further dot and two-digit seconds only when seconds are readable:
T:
7.10
